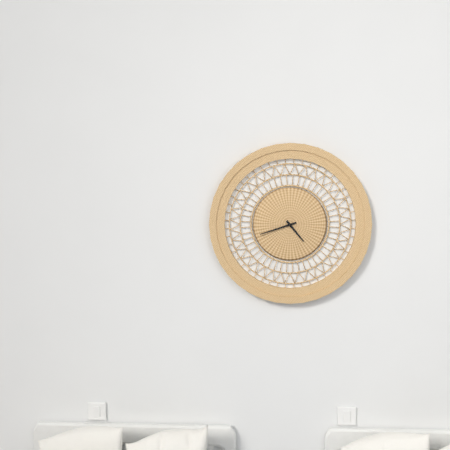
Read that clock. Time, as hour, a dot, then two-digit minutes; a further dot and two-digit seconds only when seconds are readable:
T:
4.42
